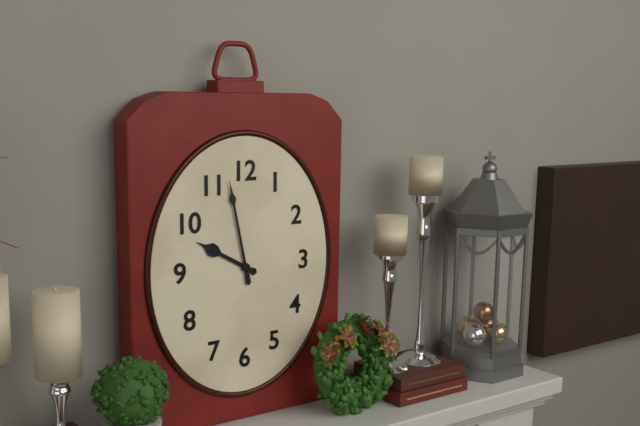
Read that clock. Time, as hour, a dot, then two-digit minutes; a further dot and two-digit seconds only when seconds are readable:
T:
9.58
